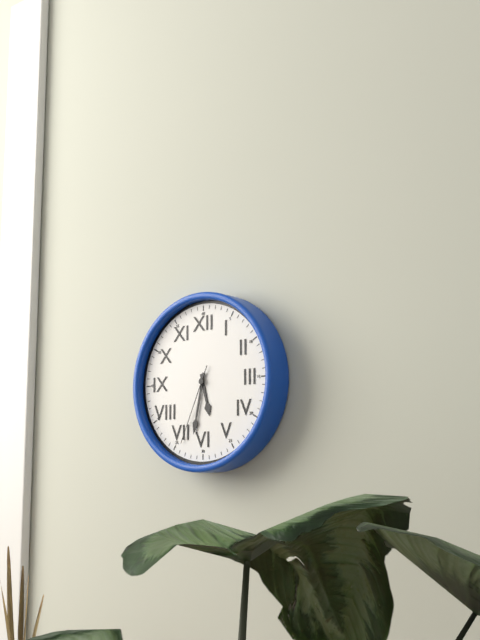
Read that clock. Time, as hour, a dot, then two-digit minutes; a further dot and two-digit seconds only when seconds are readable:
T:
5.32.34
